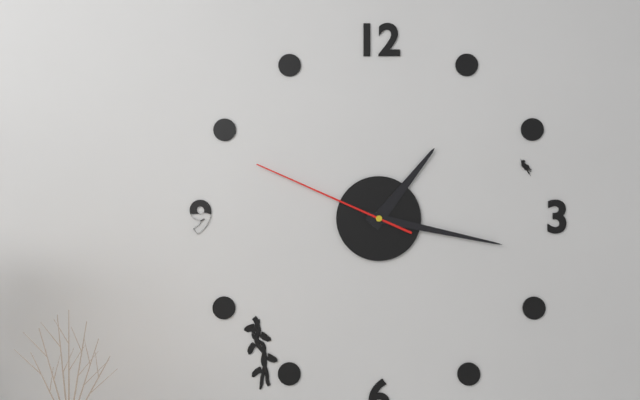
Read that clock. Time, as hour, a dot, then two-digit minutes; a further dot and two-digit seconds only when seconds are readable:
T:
1.17.49
